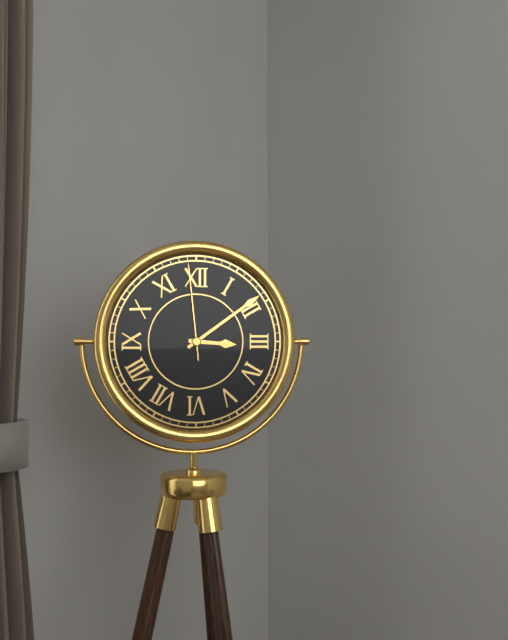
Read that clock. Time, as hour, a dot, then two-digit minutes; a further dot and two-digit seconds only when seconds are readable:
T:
3.09.59
